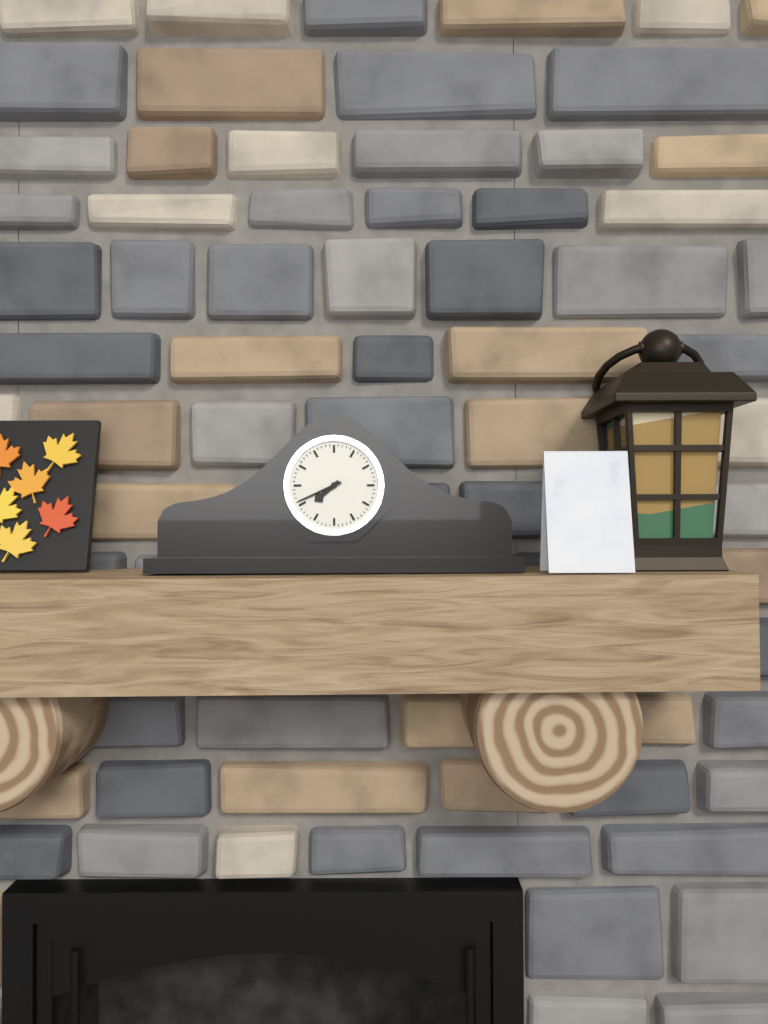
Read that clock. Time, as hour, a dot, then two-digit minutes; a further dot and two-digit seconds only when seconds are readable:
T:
7.41
